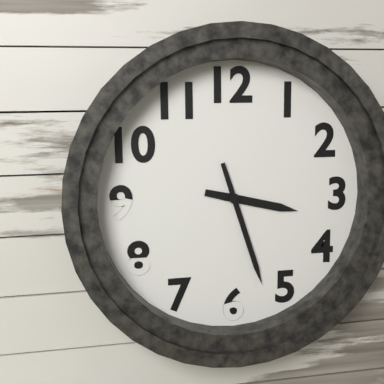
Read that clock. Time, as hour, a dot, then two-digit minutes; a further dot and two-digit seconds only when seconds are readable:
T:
3.27
